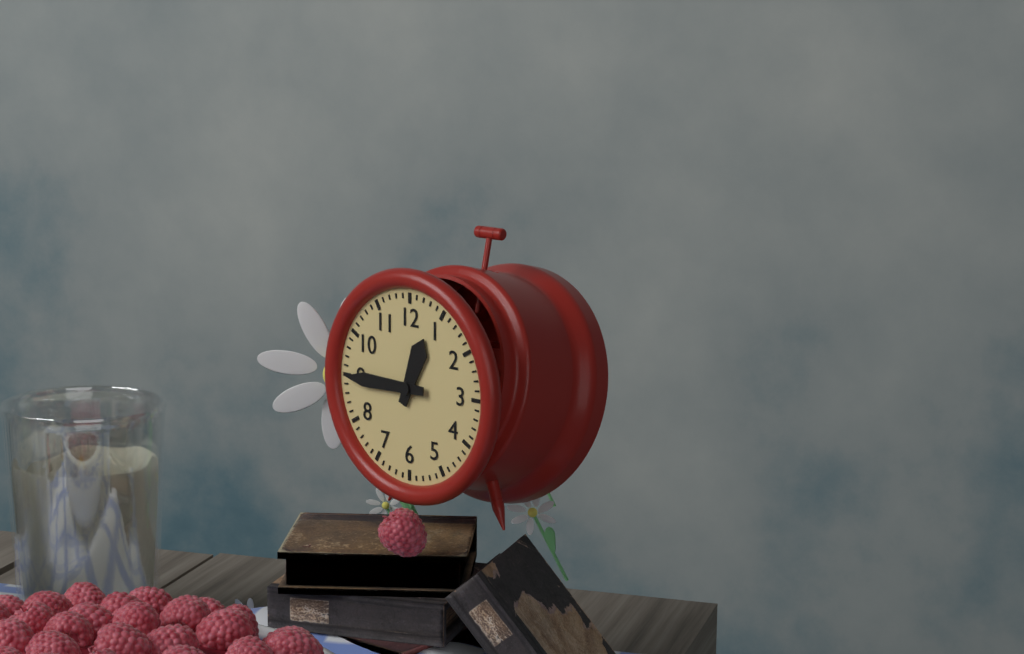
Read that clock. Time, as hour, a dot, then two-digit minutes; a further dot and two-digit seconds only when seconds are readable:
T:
12.45
